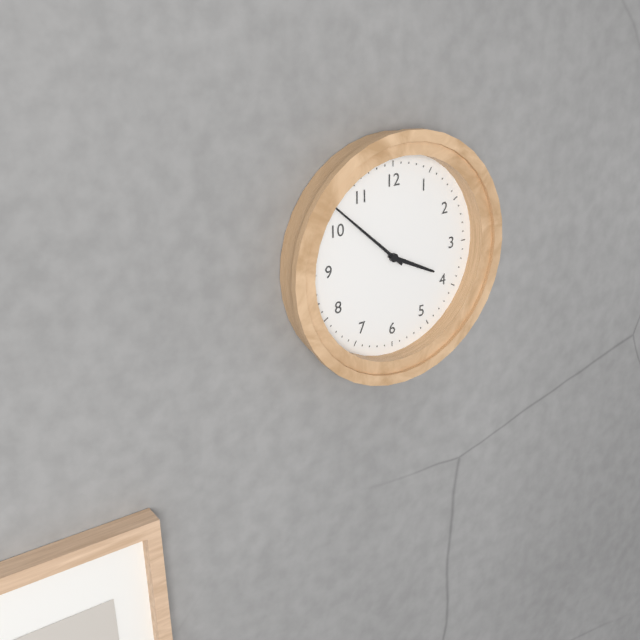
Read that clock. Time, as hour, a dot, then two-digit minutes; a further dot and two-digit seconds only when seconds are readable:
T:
3.52
